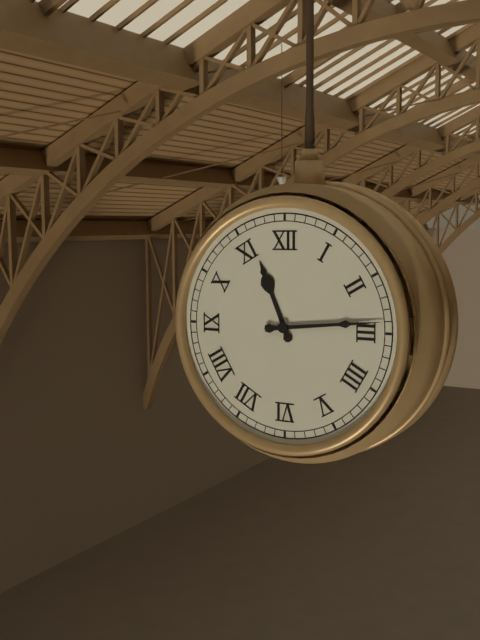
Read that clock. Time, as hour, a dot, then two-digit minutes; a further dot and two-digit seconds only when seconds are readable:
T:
11.14
